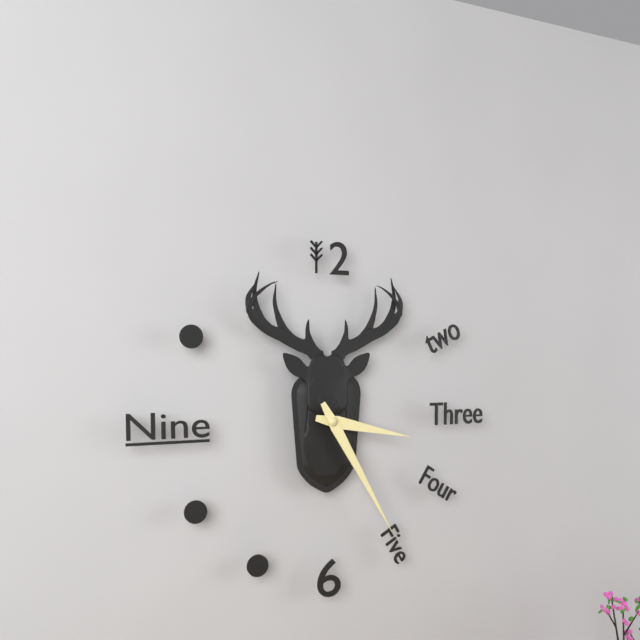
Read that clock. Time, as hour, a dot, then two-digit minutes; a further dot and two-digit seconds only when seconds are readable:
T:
3.25
